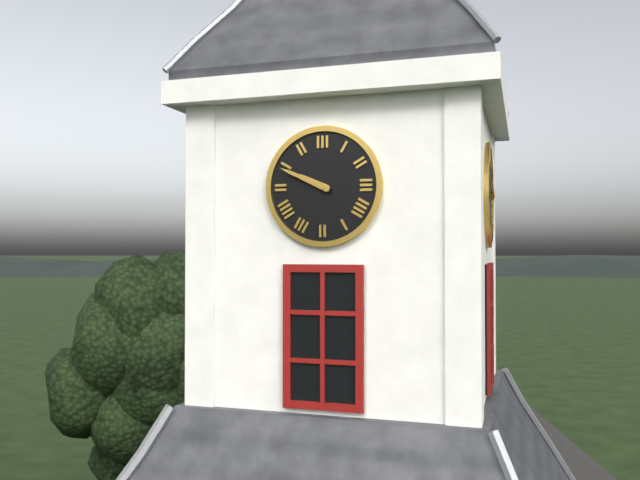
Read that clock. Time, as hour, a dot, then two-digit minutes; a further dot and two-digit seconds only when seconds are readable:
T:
9.49
